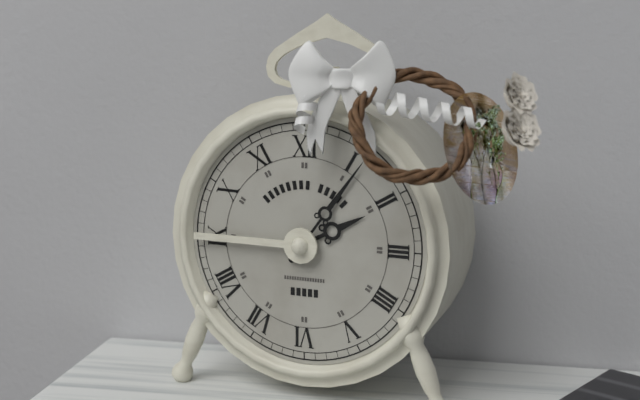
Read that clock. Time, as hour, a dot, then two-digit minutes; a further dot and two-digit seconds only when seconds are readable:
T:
2.06
